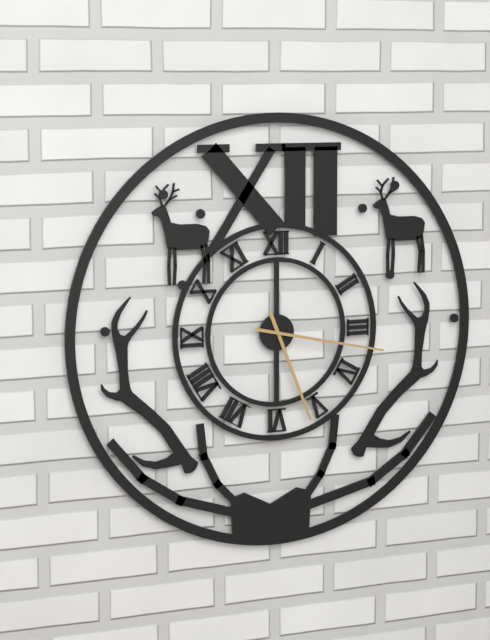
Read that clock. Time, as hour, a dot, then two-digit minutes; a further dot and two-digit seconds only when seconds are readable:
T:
5.17
